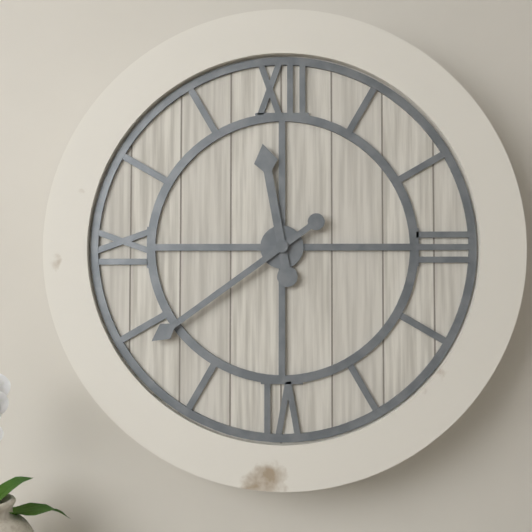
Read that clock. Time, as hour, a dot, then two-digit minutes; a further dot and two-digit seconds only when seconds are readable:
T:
11.39
